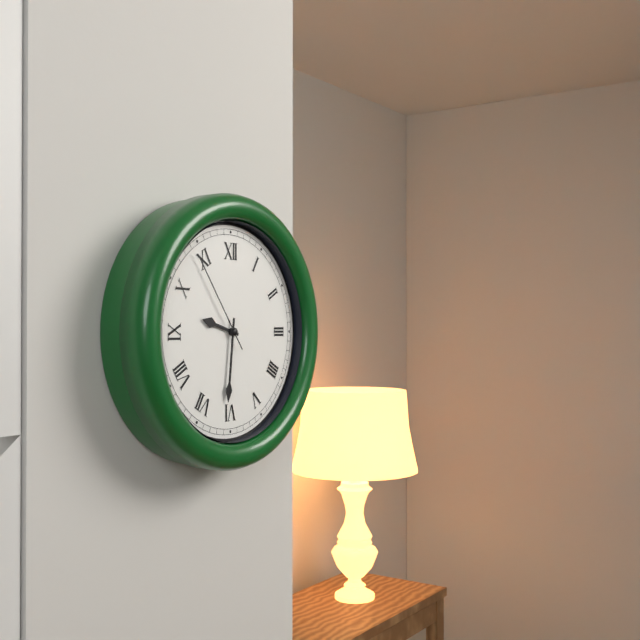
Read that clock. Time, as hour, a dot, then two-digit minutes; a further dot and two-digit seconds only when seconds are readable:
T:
9.31.54
